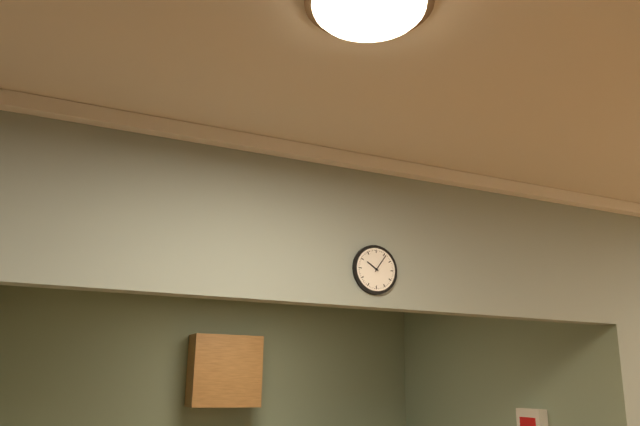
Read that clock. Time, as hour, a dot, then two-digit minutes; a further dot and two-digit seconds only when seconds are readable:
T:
10.06
